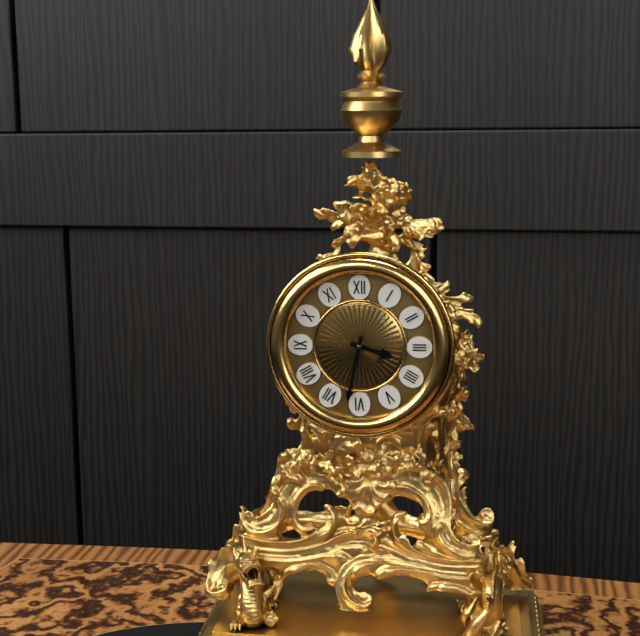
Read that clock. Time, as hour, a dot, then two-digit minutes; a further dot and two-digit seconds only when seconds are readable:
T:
3.32
